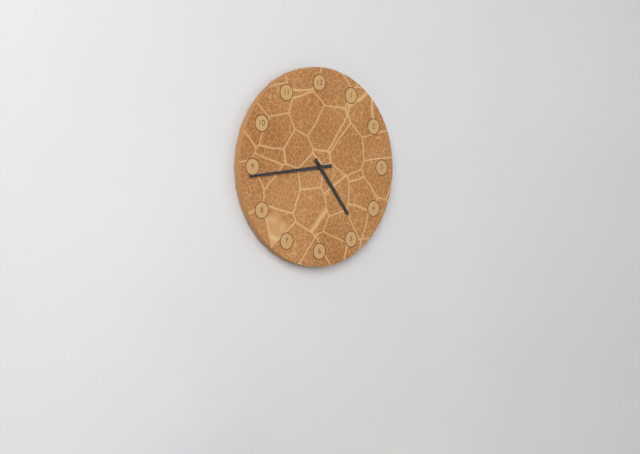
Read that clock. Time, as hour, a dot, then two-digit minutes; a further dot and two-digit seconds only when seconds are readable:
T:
4.44
